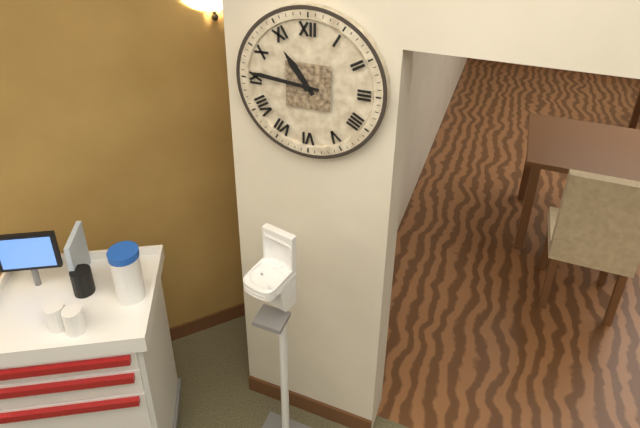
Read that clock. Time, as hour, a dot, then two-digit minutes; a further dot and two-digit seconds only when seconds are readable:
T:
10.46
